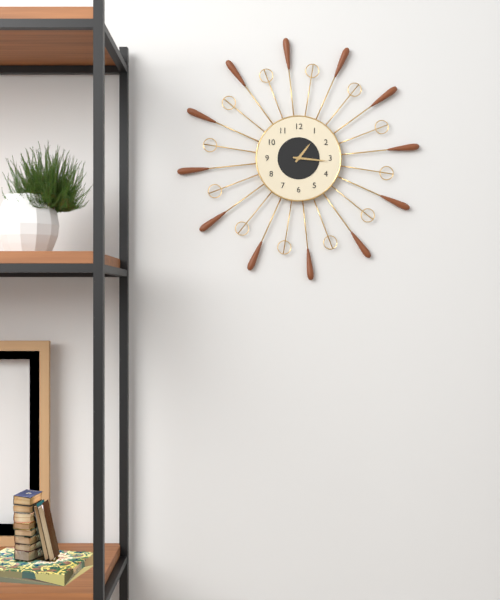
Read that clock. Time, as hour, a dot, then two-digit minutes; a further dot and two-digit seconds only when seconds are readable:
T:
1.16
